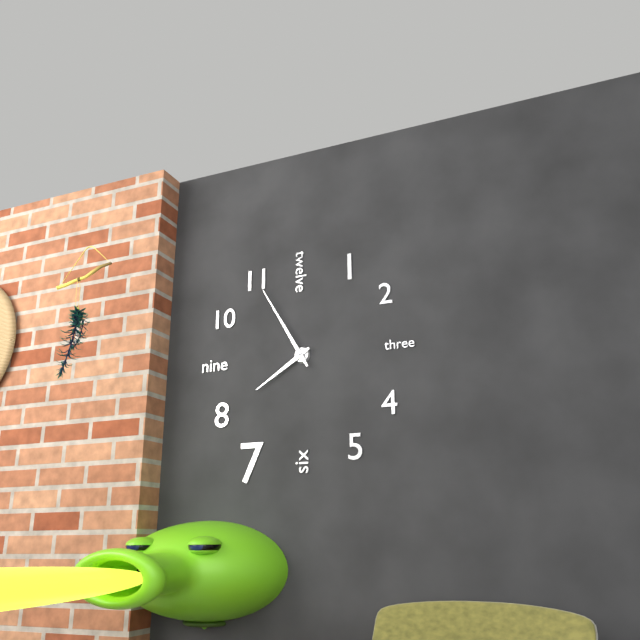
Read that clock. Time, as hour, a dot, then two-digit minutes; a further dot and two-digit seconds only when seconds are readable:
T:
7.55
